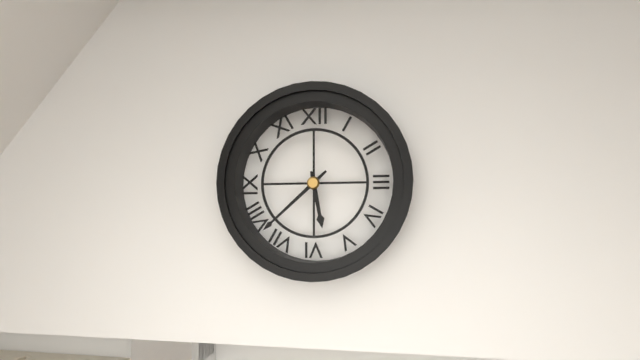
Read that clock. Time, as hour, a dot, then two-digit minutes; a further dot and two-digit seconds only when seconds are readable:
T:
5.38
